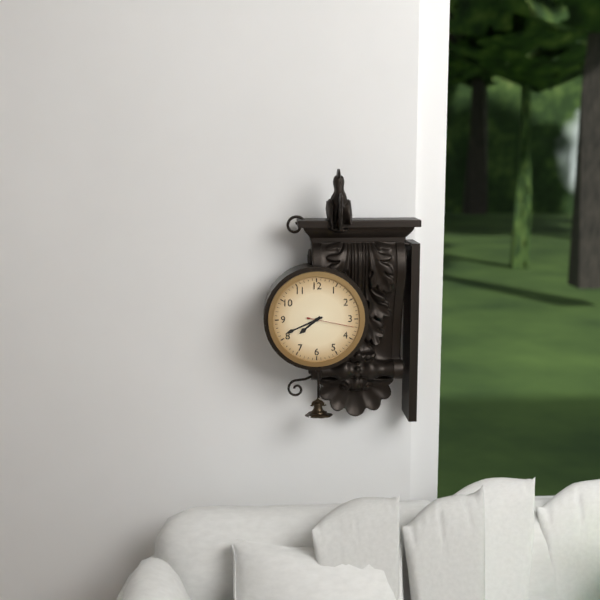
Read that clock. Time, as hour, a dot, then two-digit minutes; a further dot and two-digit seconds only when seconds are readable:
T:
7.41
